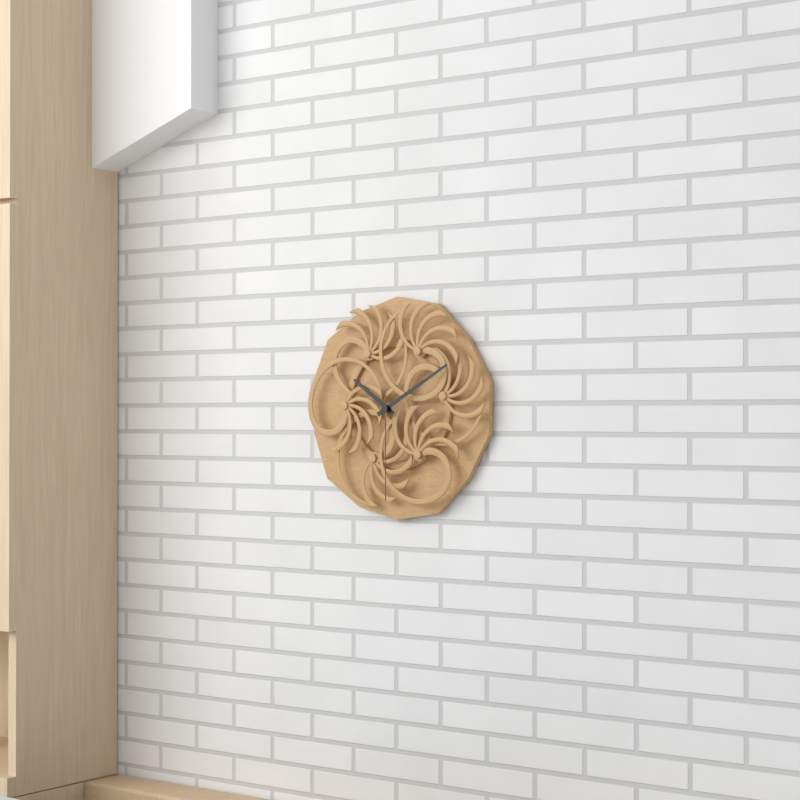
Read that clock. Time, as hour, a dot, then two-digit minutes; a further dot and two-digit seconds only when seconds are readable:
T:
10.10.30
